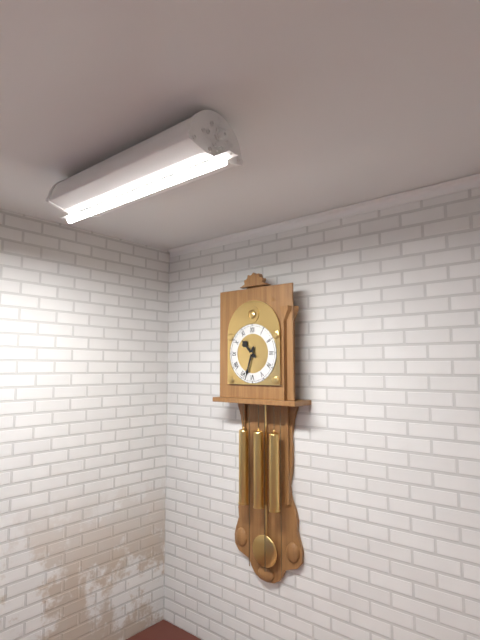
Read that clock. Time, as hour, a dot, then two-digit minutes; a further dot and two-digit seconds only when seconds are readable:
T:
10.33
